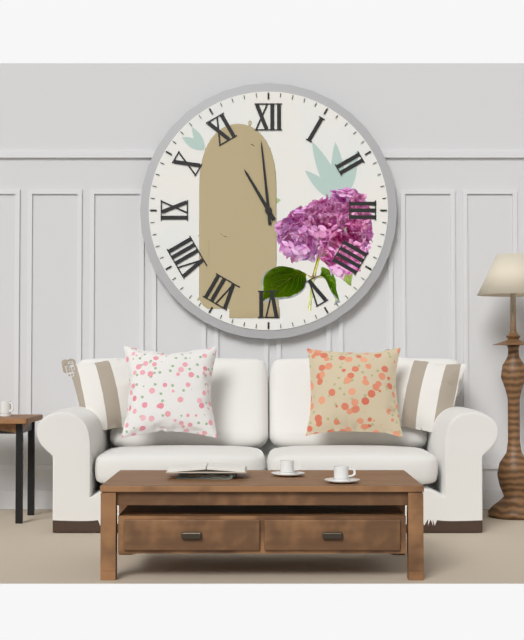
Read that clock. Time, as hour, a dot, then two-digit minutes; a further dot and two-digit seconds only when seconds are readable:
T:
10.59
